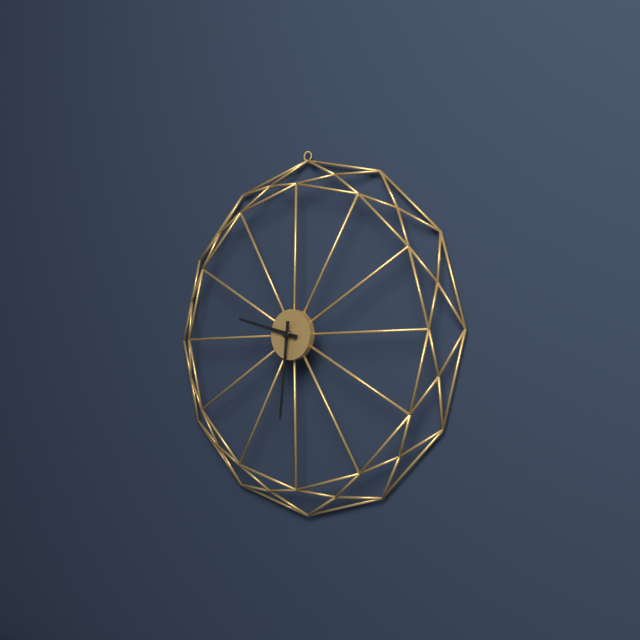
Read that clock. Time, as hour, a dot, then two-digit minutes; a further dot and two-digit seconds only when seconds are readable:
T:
9.31
